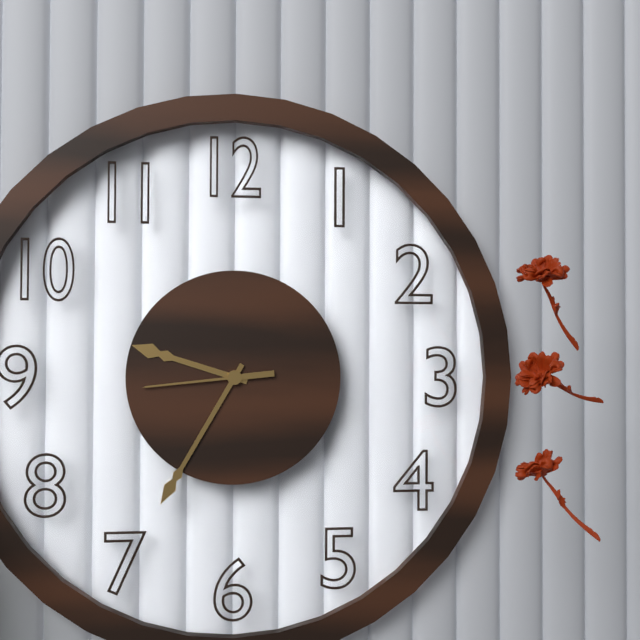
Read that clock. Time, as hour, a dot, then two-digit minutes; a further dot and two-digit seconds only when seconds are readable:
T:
9.35.44
